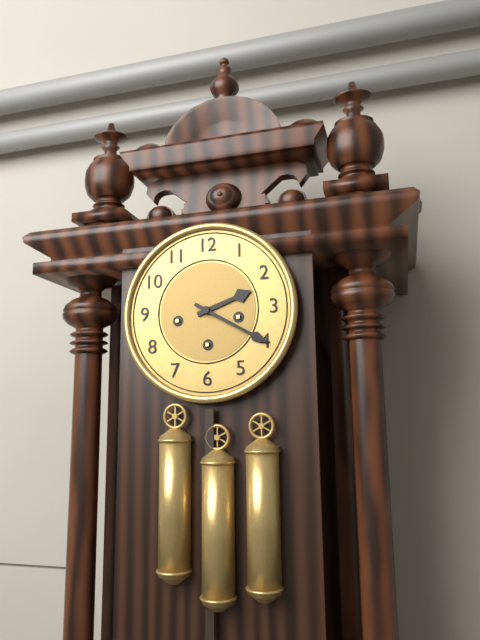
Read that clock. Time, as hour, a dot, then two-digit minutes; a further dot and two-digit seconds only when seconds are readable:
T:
2.20
